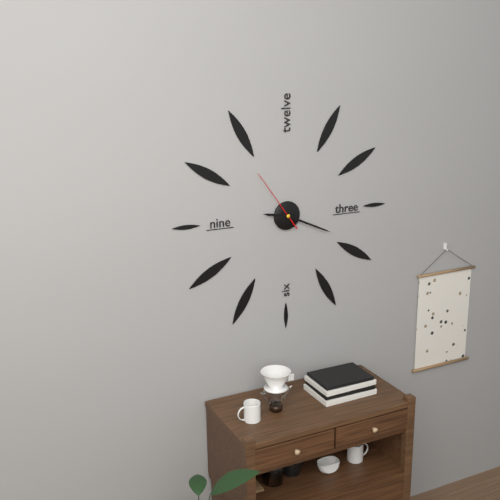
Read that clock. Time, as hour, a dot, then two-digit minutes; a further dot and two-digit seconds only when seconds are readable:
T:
9.19.54
